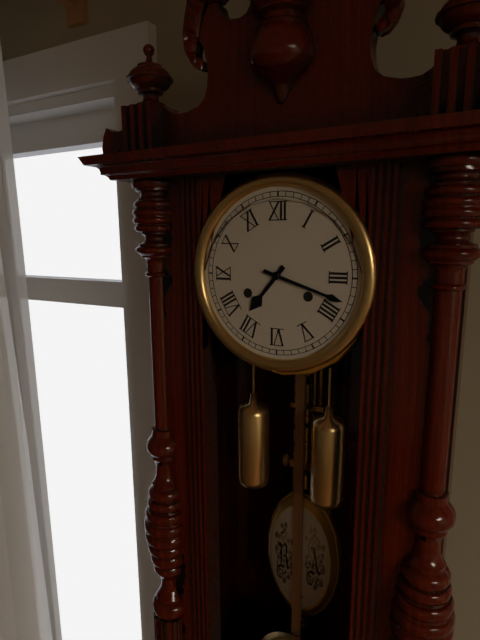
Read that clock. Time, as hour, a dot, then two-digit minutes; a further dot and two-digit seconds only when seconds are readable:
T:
7.18
